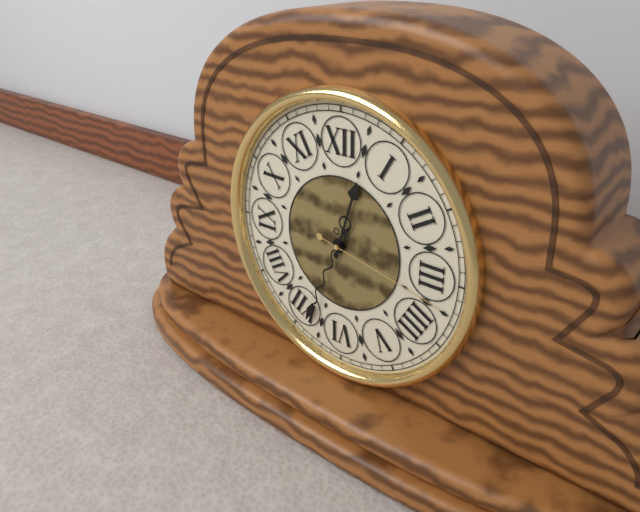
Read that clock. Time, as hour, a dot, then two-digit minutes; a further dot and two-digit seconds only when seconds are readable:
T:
12.34.17
